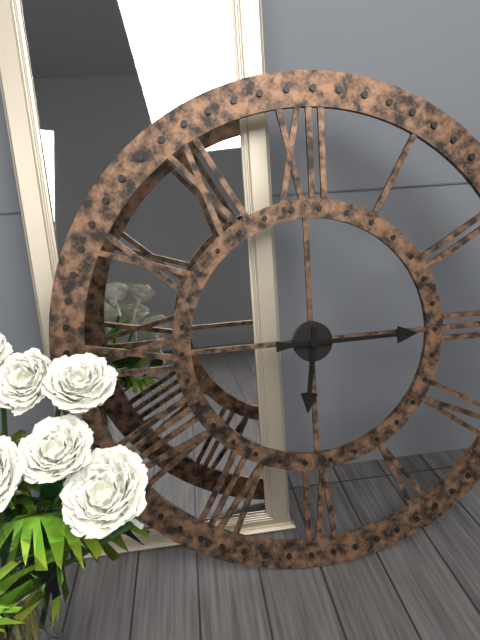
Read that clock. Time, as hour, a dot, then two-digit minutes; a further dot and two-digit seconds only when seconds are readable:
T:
6.15
